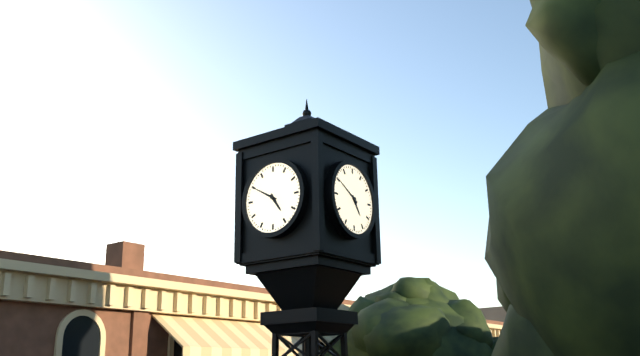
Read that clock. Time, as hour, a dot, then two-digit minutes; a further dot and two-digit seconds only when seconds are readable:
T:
4.50
